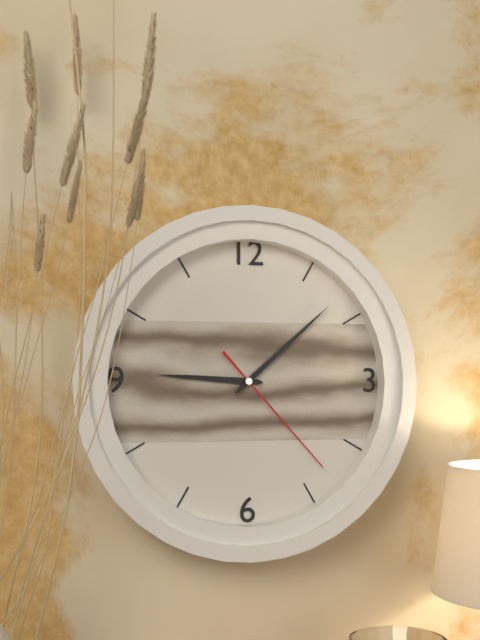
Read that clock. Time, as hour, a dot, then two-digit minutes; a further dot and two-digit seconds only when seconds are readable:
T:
9.08.23
